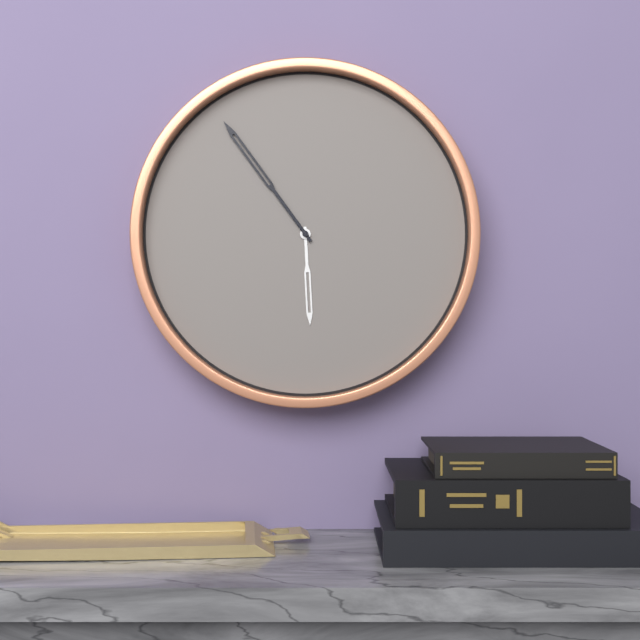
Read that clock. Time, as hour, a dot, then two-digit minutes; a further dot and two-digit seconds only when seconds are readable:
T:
5.54
